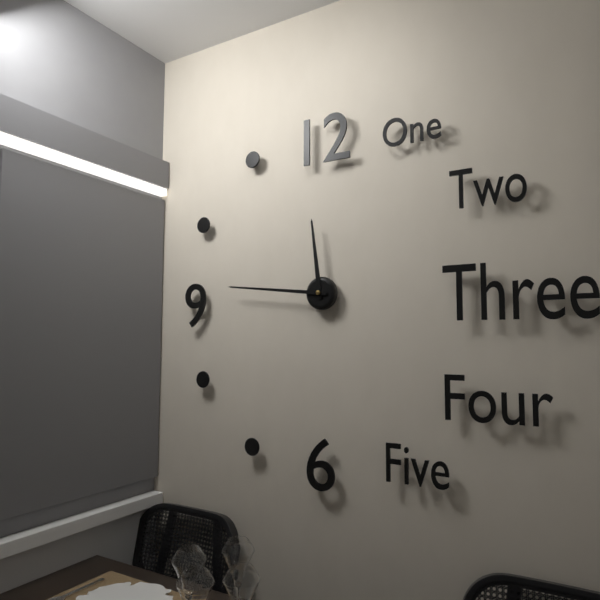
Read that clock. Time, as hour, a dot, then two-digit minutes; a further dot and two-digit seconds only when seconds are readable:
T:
11.46
